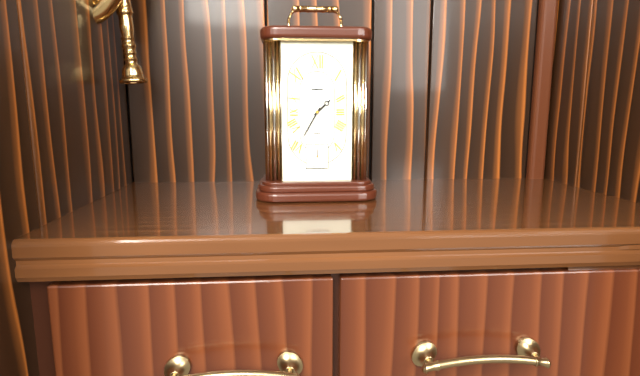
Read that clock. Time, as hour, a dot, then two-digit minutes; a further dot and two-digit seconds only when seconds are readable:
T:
1.35
